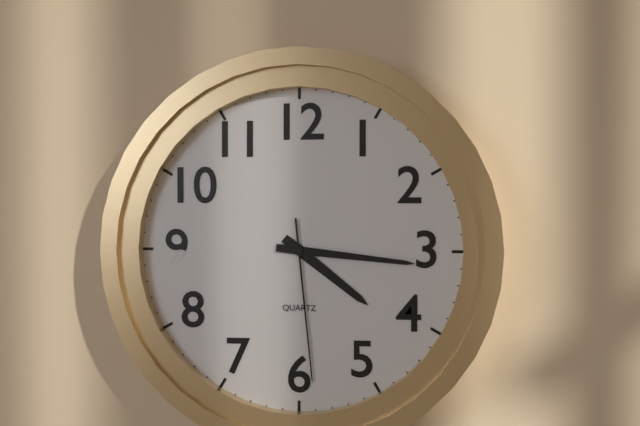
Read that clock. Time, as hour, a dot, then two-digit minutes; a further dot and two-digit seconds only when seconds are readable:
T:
4.16.29
